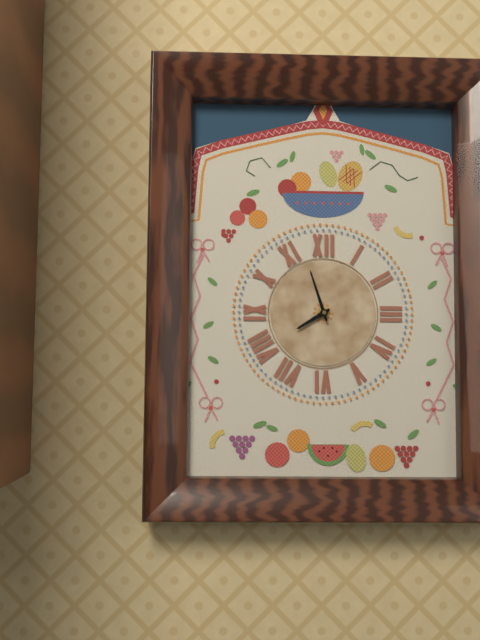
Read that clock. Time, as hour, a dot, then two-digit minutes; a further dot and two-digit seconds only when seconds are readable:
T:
7.57
